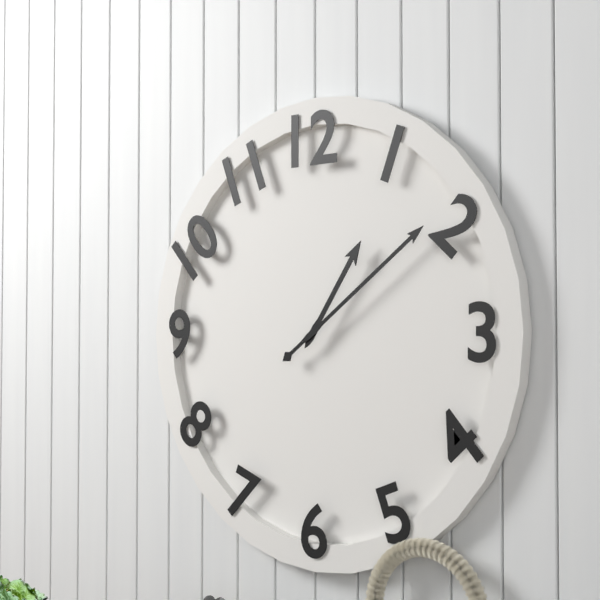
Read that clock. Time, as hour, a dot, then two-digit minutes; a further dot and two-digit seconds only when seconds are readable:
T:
1.09
